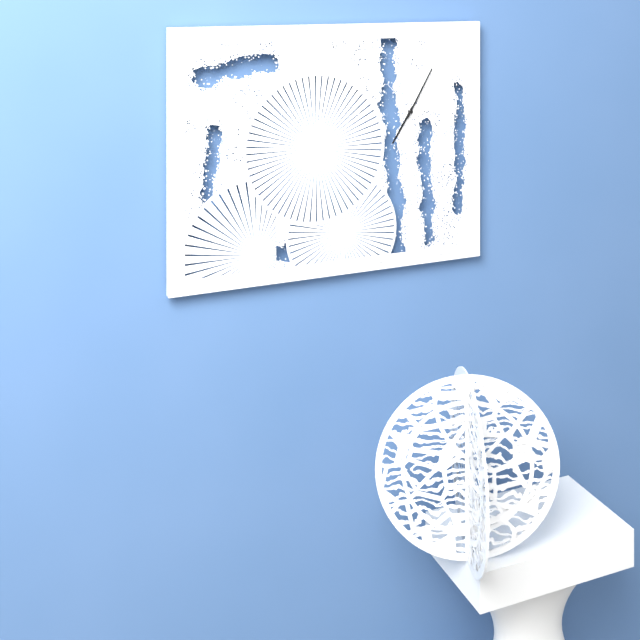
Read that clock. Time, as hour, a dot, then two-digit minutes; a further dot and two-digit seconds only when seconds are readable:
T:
7.05
